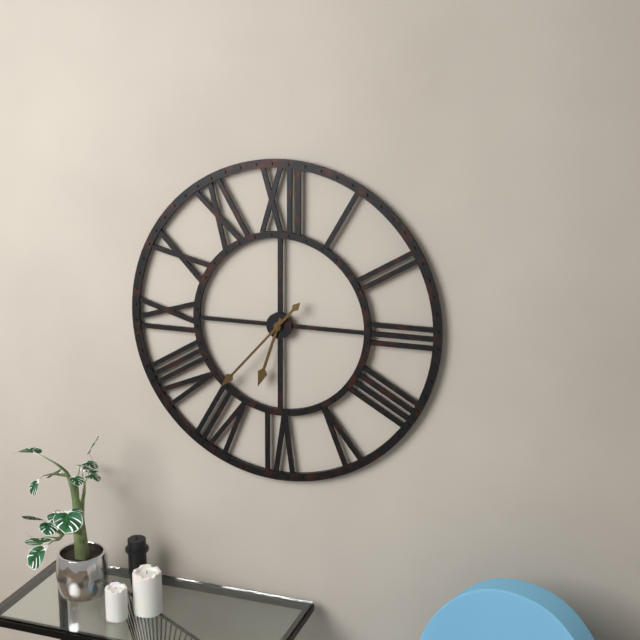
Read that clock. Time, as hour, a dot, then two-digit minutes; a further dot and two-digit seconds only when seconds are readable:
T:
6.37
